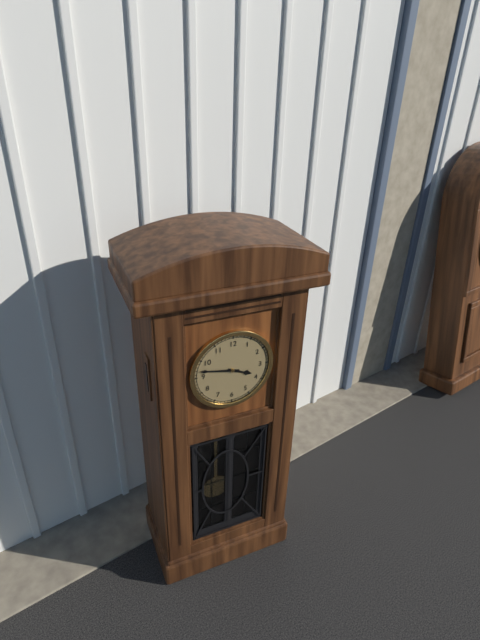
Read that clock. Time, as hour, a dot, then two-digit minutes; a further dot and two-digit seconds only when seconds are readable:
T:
3.47
